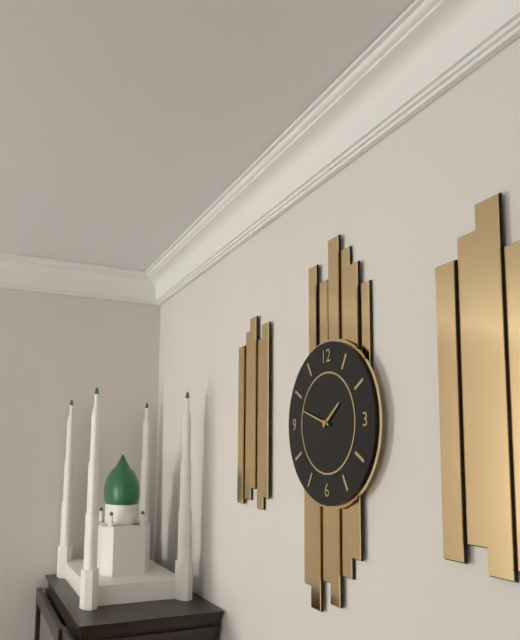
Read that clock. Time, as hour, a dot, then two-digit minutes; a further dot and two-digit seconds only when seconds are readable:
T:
1.48
